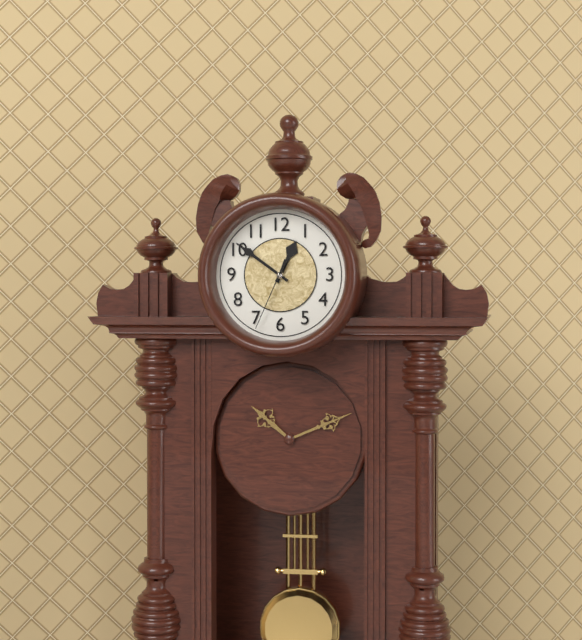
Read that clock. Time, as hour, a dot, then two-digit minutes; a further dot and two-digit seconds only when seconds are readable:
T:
12.51.34
